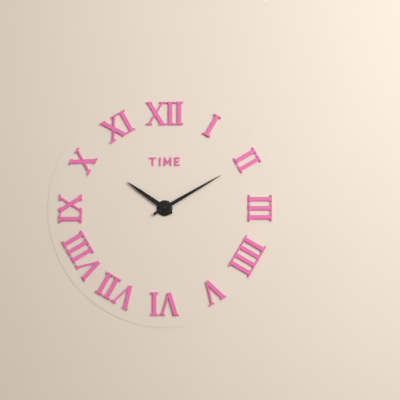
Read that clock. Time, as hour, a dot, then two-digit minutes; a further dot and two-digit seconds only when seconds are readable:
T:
10.10
